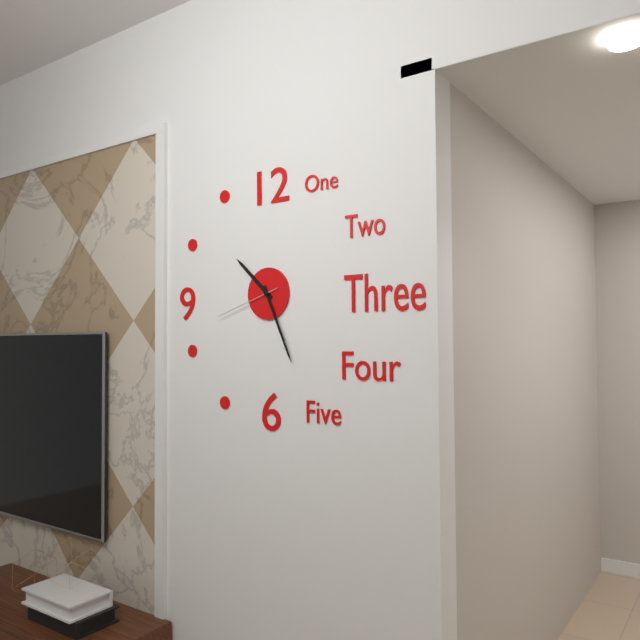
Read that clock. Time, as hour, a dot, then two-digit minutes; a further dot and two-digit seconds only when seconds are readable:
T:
10.26.42
